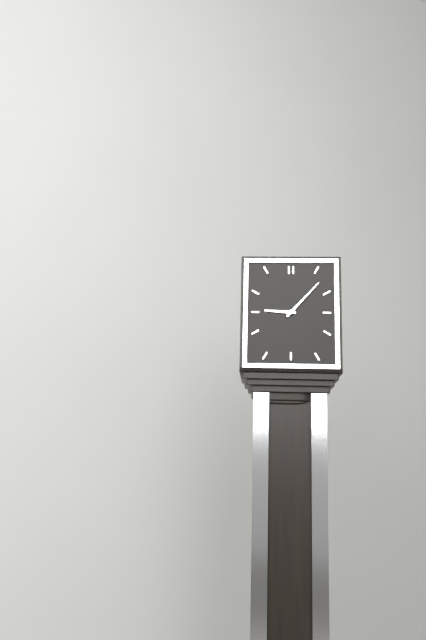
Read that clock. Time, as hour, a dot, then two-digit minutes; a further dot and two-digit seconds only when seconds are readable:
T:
9.07
